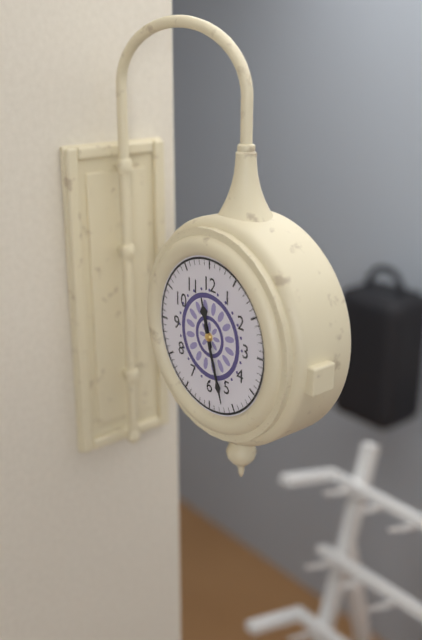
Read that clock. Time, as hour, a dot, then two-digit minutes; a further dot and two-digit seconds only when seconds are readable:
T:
11.27
